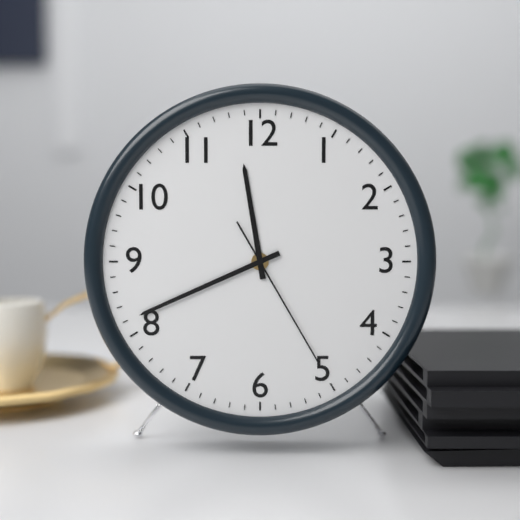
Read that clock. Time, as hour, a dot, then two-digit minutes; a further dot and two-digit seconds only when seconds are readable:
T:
11.41.25
